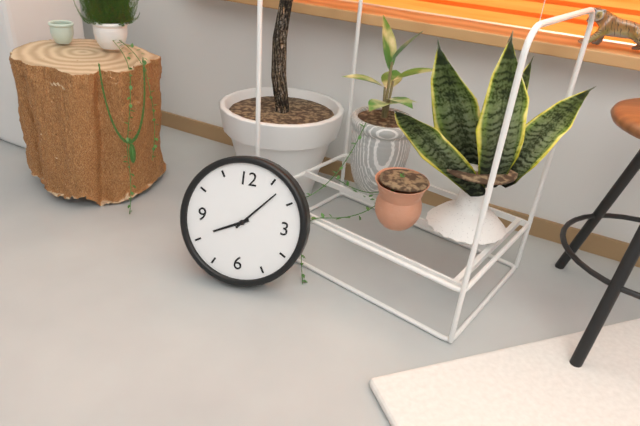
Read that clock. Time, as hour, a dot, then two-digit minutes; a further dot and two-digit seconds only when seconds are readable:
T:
8.07
